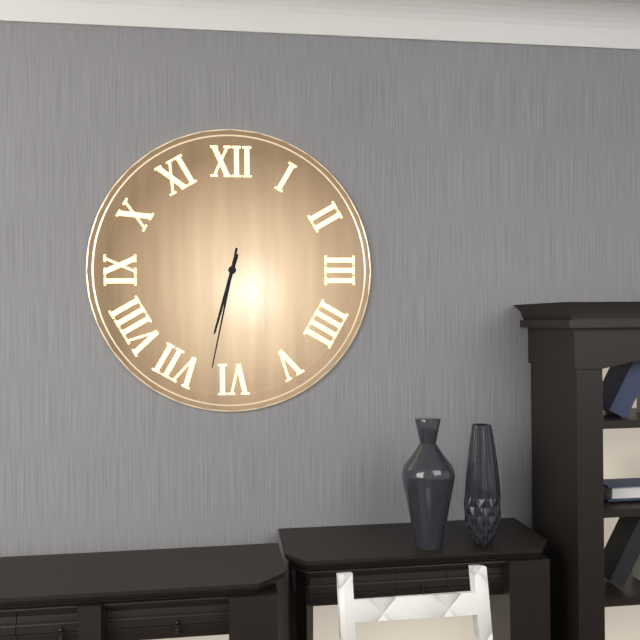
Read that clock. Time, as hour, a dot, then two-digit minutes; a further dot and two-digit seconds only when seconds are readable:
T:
6.32
